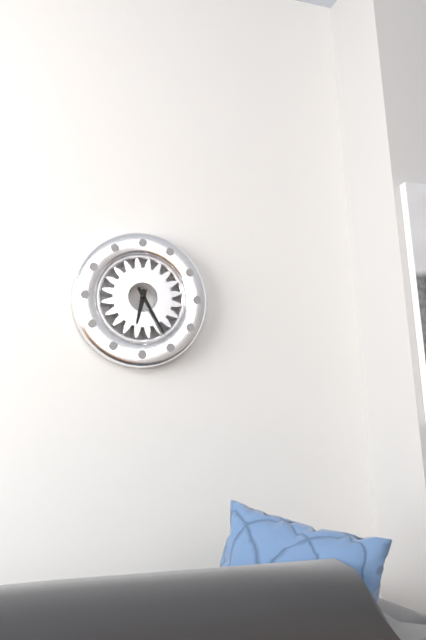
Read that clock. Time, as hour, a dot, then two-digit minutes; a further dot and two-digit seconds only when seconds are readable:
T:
6.25
